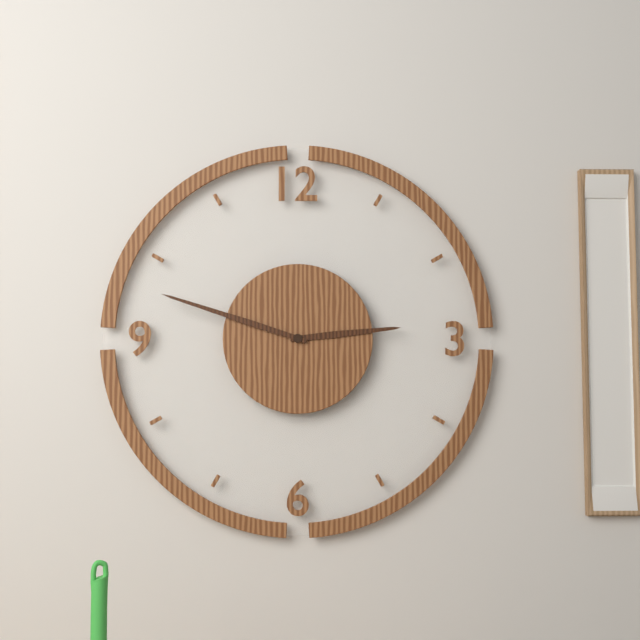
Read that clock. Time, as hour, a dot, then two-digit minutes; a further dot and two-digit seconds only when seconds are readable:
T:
2.48
